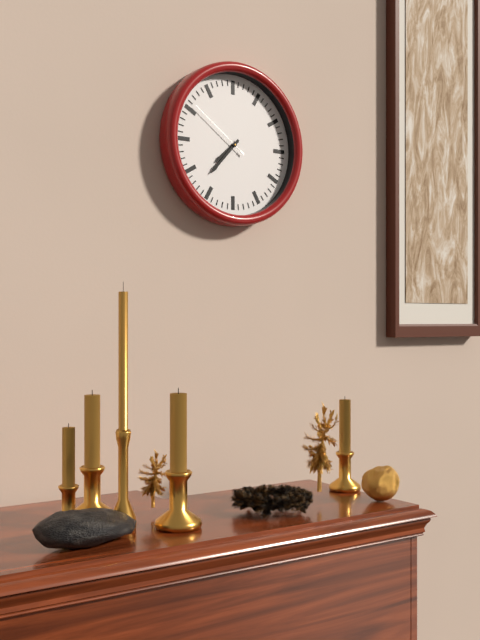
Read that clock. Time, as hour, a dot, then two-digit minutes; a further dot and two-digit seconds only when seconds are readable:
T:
7.37.51
